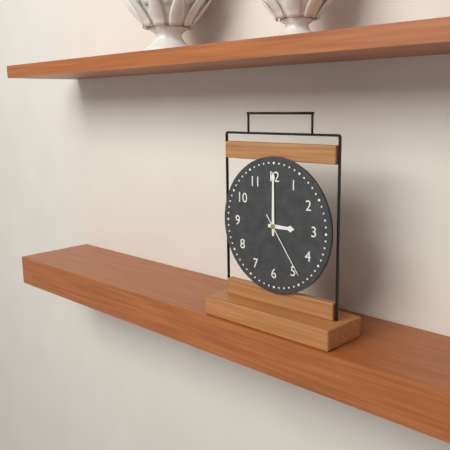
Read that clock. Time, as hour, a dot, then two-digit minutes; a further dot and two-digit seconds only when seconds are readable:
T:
3.00.24
